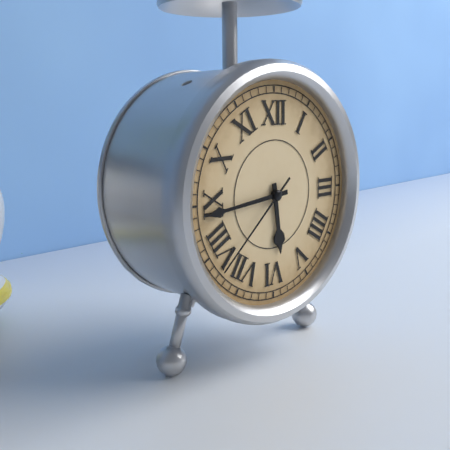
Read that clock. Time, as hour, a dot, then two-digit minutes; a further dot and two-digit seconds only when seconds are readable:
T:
5.44.38
